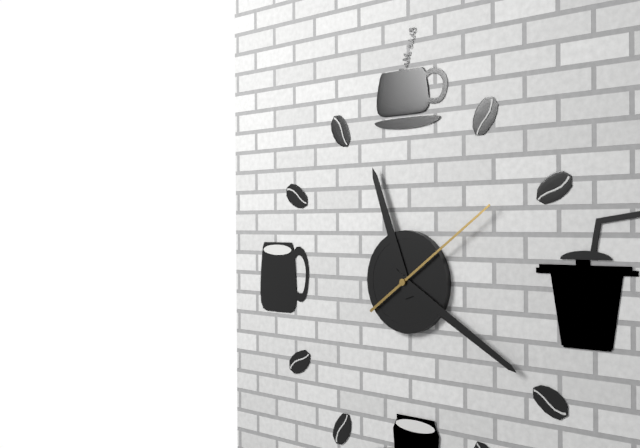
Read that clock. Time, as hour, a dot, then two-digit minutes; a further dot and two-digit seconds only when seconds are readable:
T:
11.20.09
